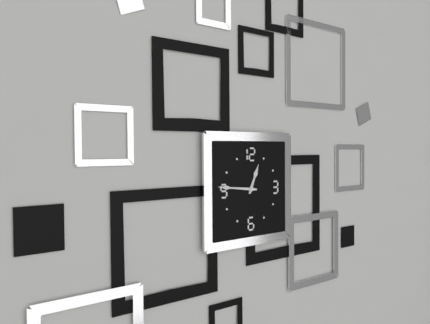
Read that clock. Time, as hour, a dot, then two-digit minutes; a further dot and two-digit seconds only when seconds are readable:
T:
12.46
